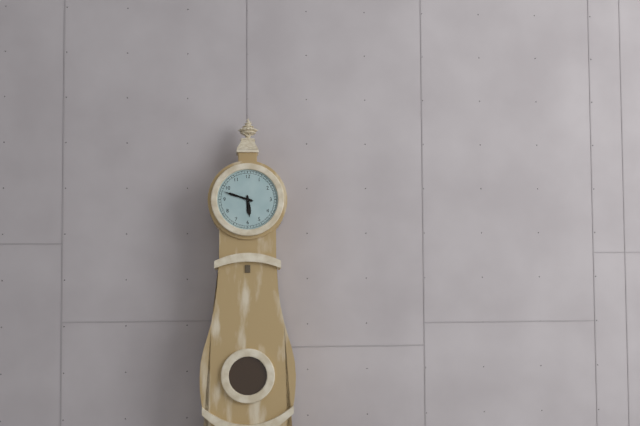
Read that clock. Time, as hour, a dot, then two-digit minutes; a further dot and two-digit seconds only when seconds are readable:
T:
5.48
